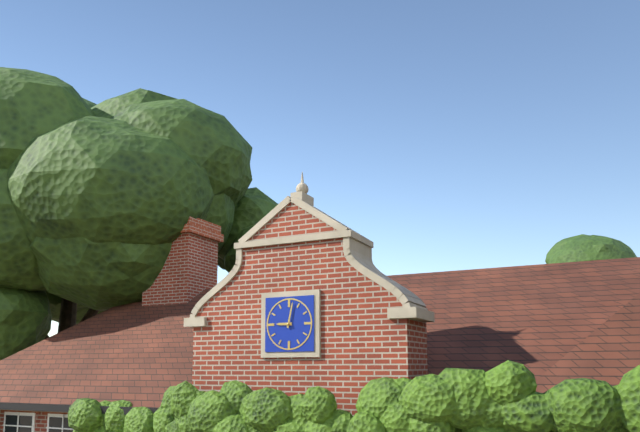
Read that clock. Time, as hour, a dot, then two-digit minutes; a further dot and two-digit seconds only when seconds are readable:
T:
9.02
